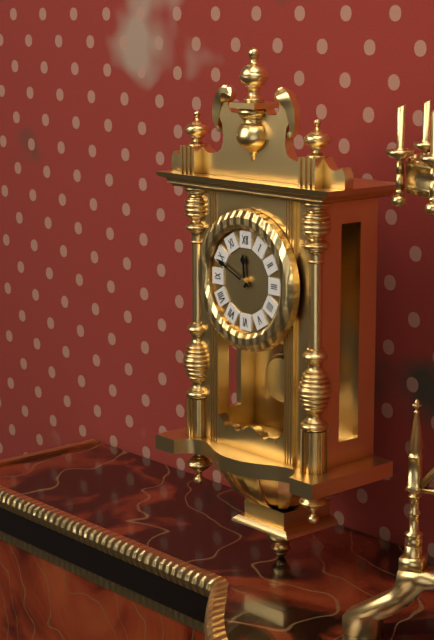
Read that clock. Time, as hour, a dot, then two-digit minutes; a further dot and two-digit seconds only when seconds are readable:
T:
11.49
